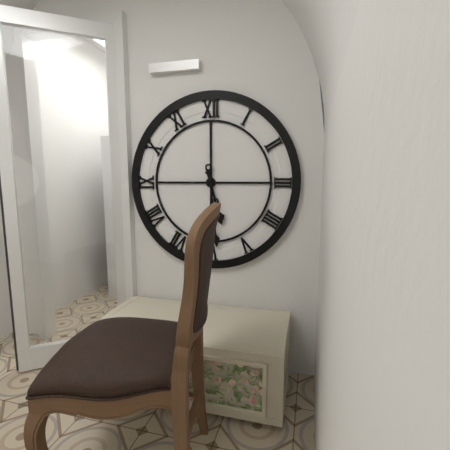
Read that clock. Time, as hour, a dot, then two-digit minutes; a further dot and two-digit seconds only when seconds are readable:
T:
5.29
